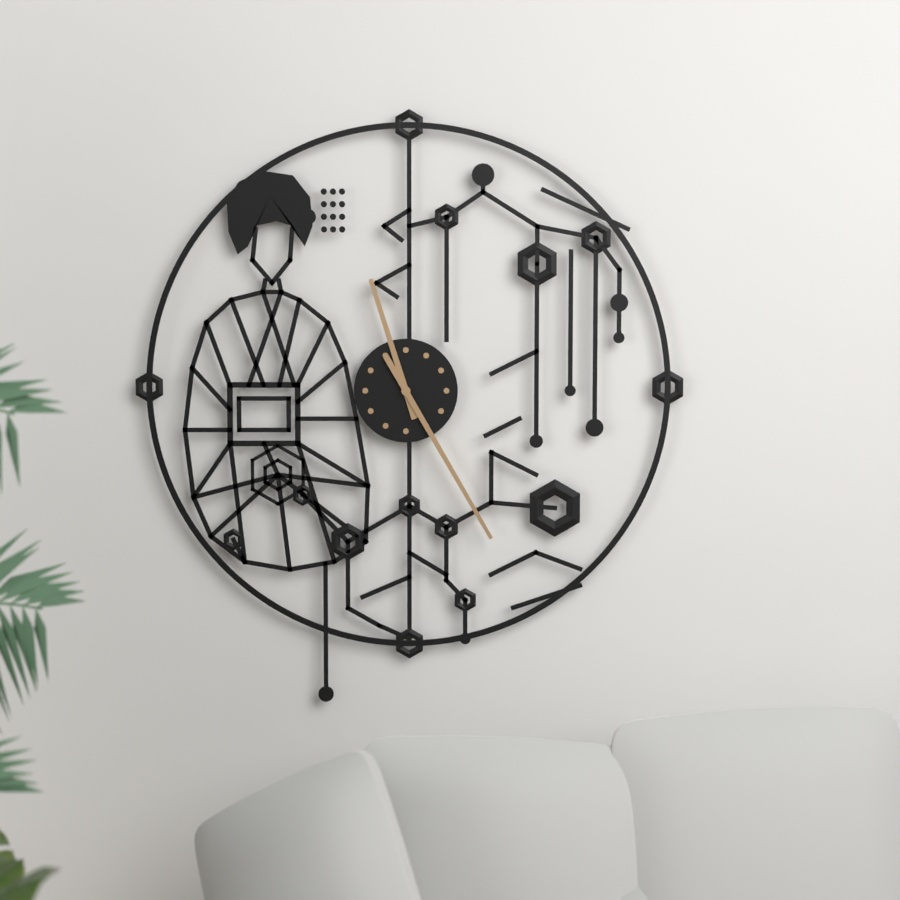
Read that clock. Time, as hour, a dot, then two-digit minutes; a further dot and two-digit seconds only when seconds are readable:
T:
11.25
